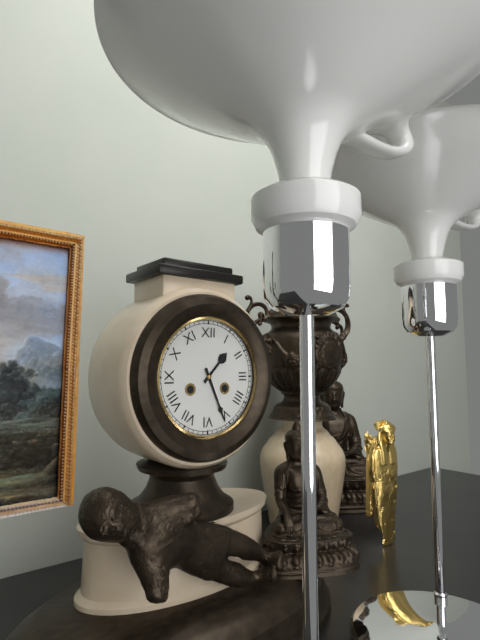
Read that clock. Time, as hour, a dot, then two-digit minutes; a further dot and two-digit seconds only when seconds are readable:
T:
1.26
